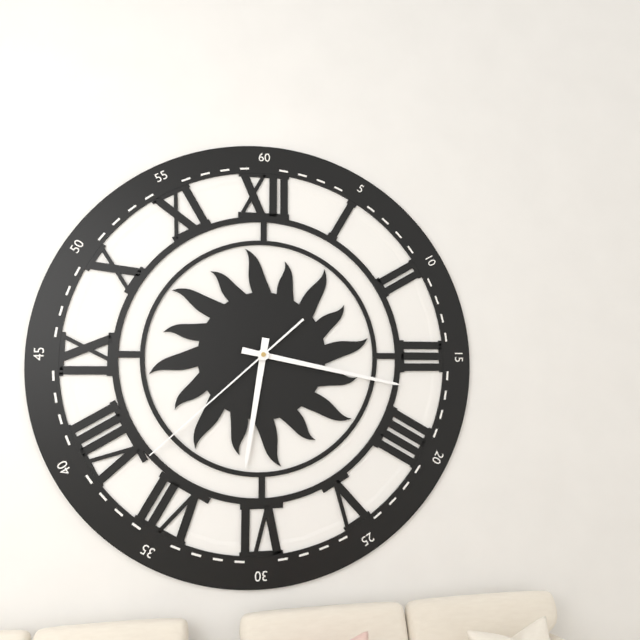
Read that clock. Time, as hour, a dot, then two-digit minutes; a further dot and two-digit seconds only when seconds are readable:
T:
6.17.38
